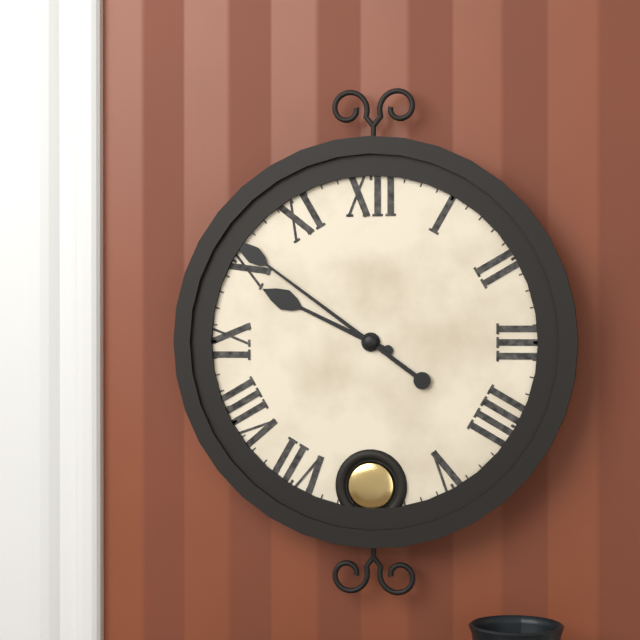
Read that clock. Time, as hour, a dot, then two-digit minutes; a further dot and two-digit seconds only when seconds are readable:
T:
9.51
